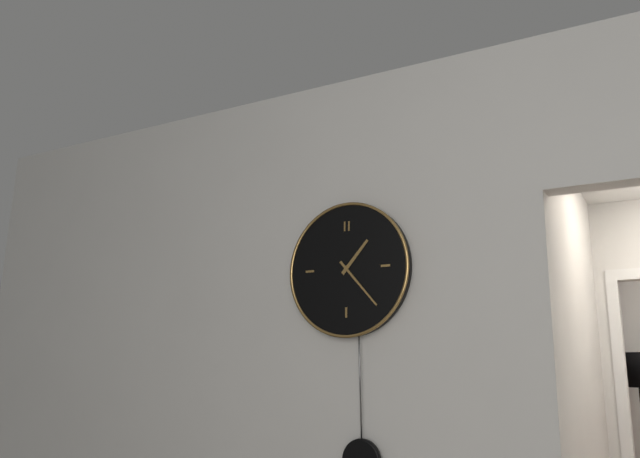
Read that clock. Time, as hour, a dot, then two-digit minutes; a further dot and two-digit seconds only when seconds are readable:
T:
1.23
